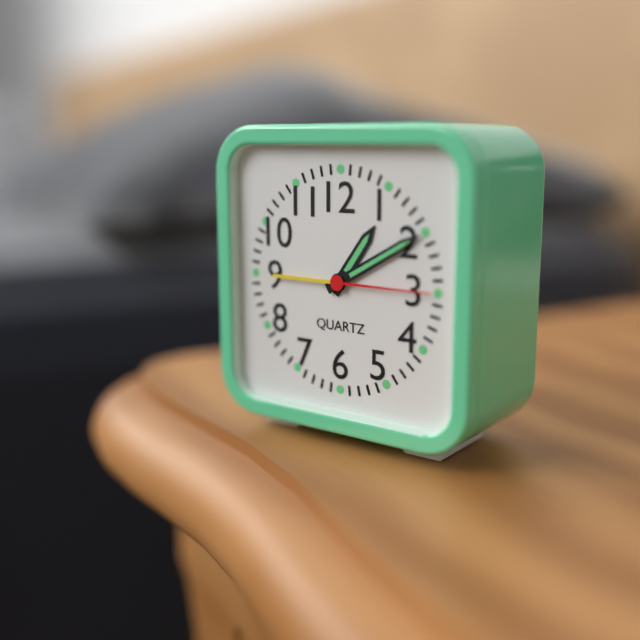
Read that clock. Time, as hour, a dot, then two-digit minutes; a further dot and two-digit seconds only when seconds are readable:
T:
1.10.15
